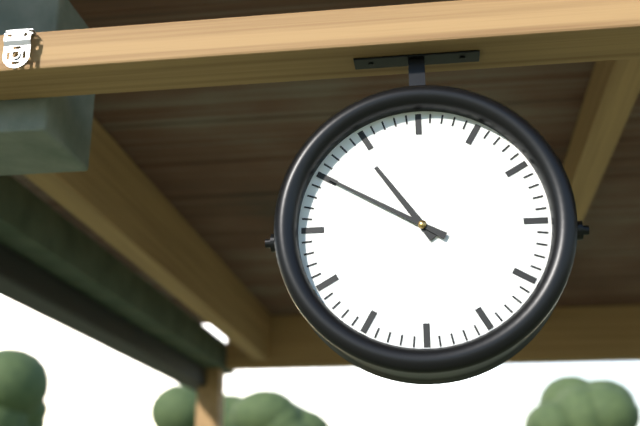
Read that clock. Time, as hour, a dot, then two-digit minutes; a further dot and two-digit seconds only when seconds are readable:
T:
10.50
